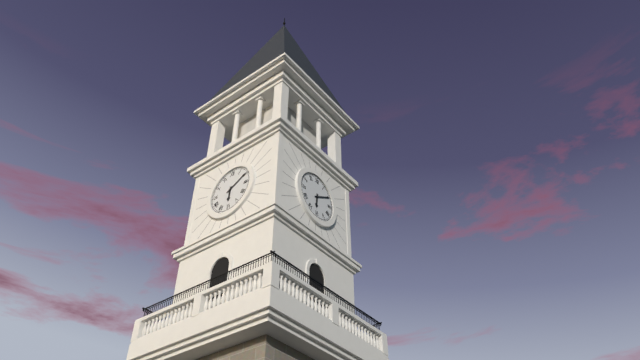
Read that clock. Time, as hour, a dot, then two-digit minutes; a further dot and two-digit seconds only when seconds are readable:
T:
6.10
